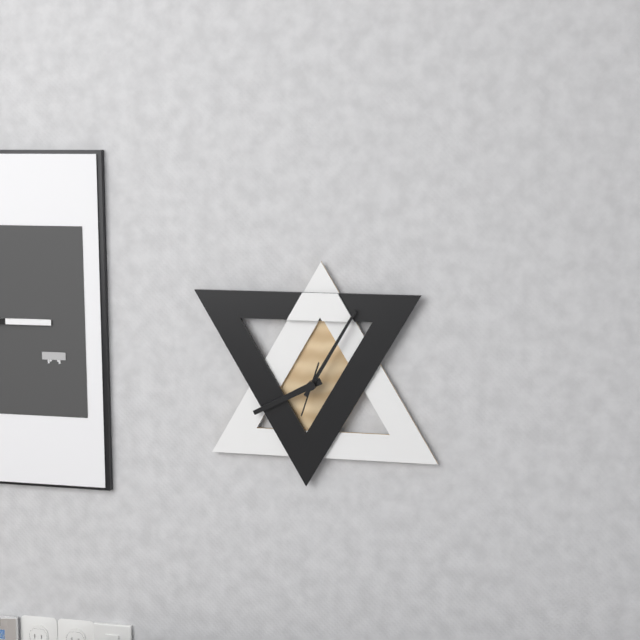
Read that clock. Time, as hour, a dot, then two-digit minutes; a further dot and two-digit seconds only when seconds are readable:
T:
8.05
